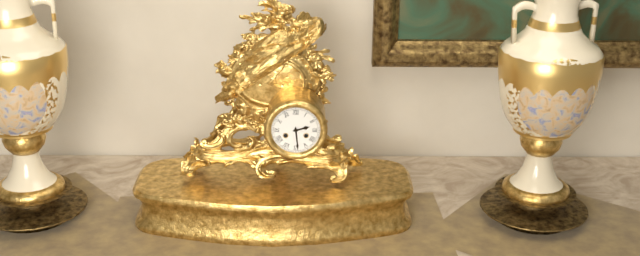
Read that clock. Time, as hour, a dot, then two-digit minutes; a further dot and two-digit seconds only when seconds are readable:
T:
2.29
